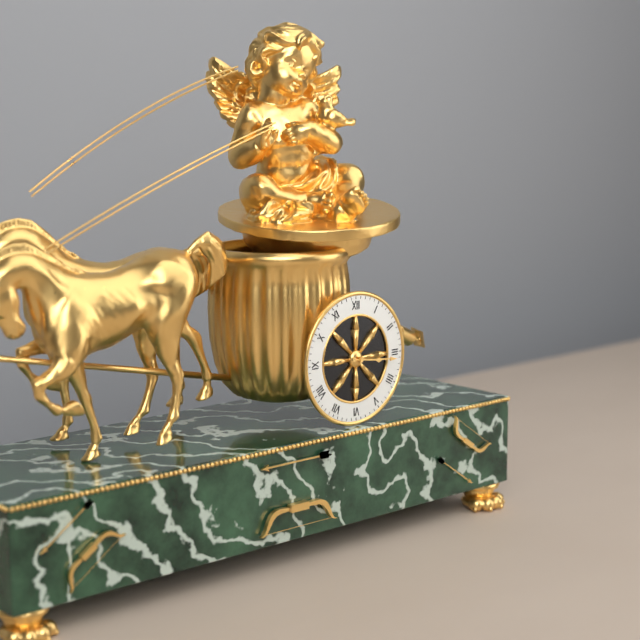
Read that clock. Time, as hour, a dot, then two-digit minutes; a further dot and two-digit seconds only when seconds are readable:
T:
3.16
